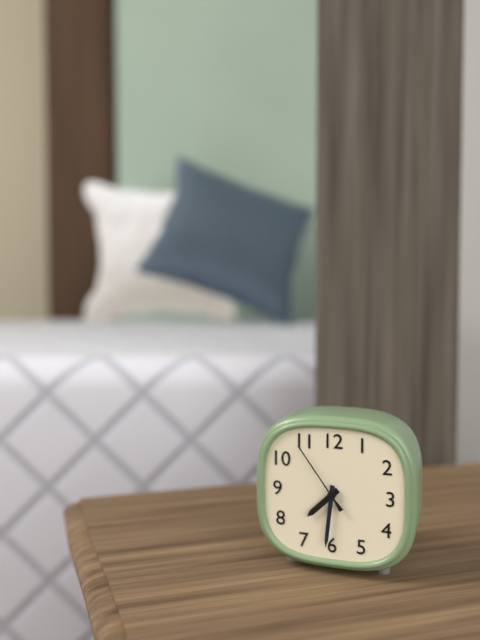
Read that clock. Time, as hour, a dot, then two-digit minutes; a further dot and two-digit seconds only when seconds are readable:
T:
7.31.54
